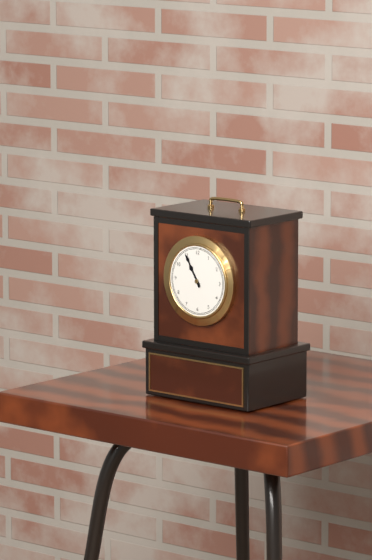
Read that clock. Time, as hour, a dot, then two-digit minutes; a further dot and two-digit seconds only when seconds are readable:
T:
10.55
